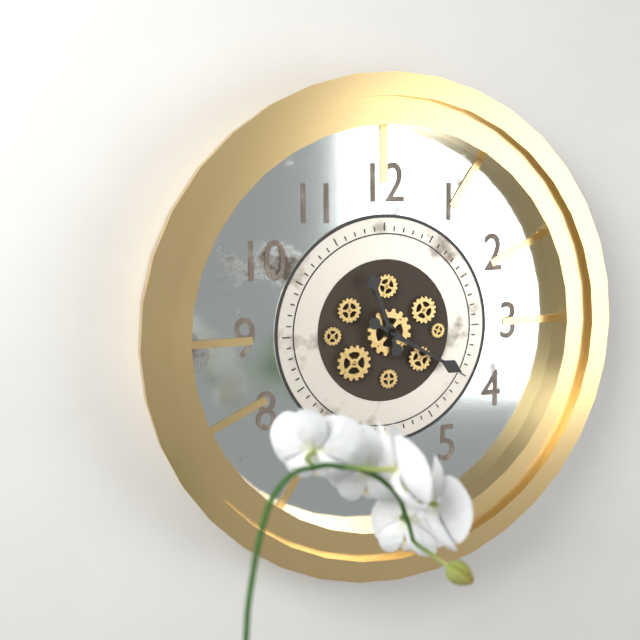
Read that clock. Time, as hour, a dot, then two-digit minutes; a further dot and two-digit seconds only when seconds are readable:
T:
11.20
